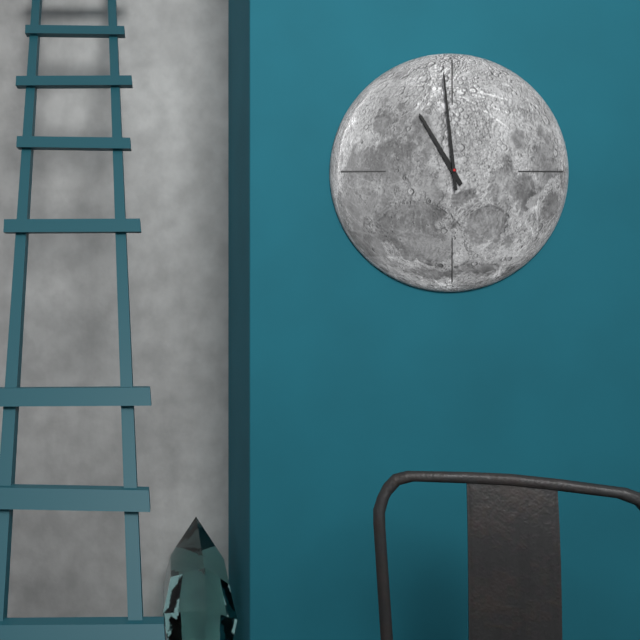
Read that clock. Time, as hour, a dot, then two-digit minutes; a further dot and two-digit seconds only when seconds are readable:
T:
10.59
